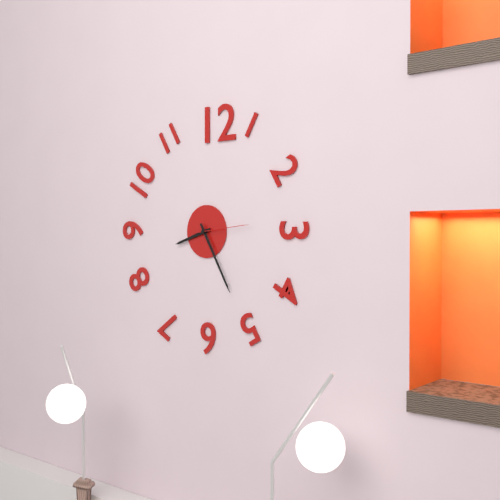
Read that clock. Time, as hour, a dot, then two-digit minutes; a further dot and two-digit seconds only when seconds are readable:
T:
8.25.14
